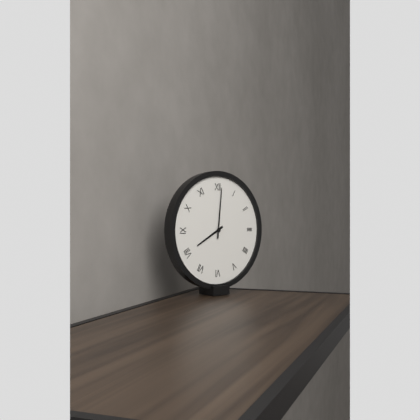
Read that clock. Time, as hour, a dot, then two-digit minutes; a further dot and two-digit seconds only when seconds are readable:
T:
8.01
